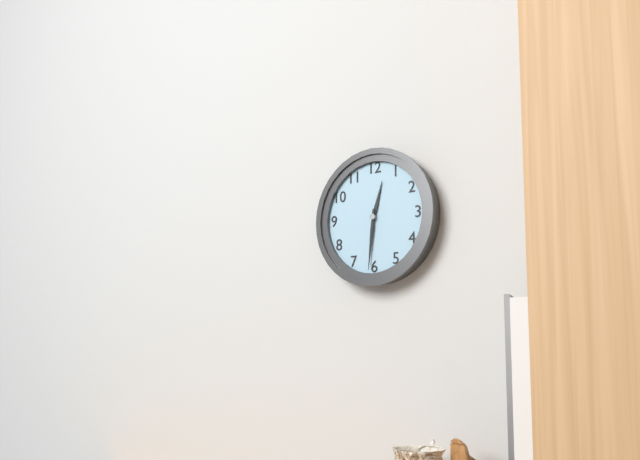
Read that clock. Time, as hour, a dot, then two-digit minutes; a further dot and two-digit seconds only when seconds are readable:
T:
12.31
